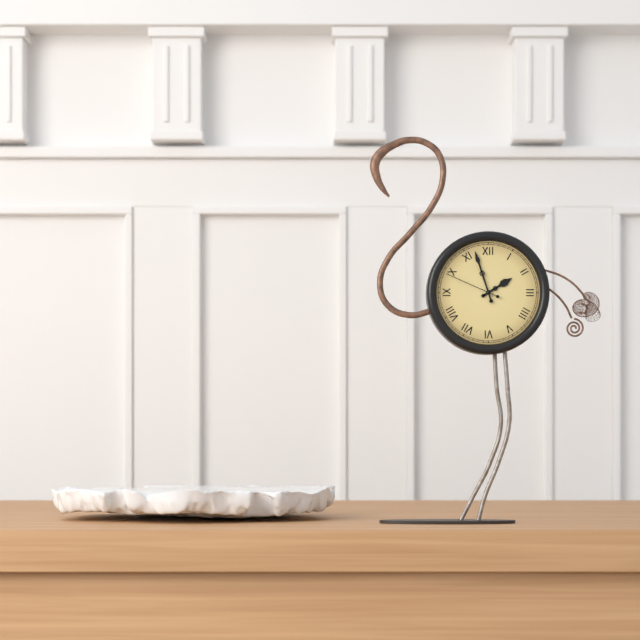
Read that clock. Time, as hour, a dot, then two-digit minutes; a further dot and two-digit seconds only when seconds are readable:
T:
1.57.49
